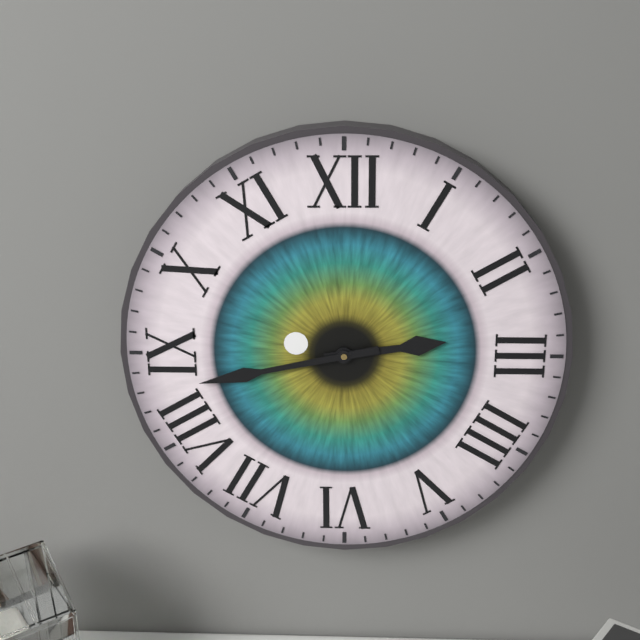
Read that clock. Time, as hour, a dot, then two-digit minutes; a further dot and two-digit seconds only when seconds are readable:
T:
2.43
